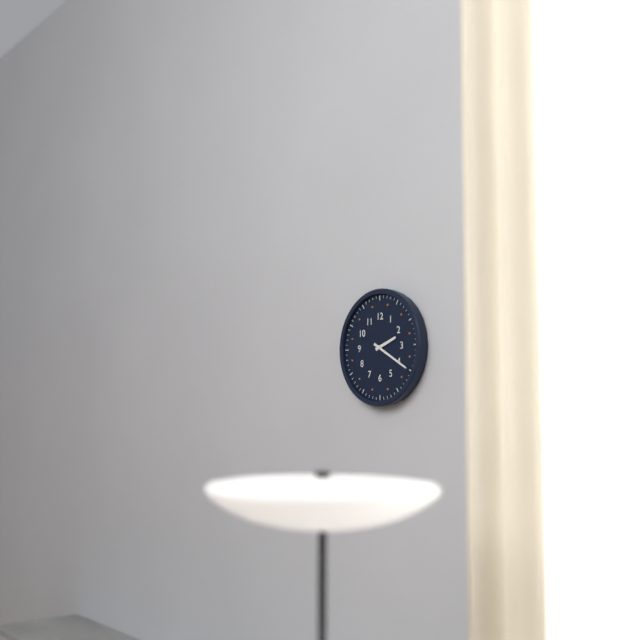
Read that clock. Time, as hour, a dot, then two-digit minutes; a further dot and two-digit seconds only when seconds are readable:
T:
2.20
